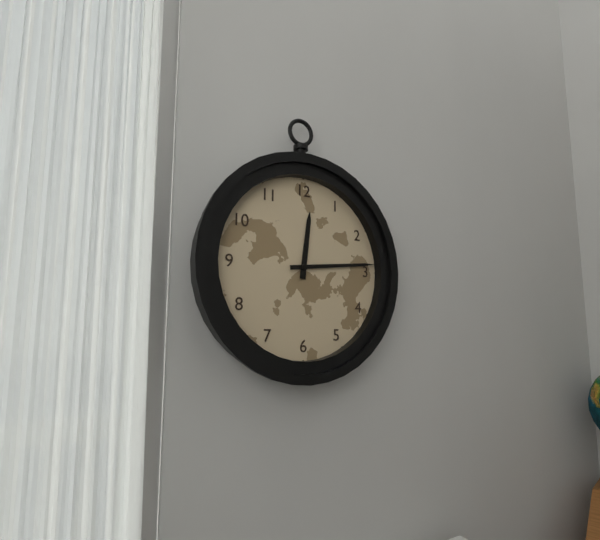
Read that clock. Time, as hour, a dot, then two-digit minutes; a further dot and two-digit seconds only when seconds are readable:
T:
12.14
